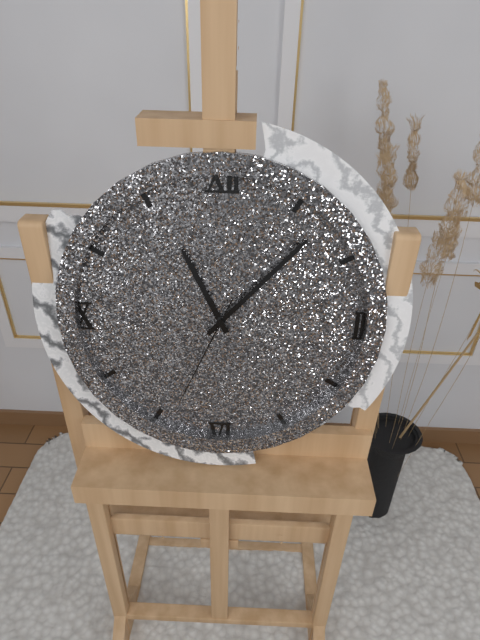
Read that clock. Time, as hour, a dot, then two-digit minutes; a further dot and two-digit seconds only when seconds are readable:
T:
11.07.34
